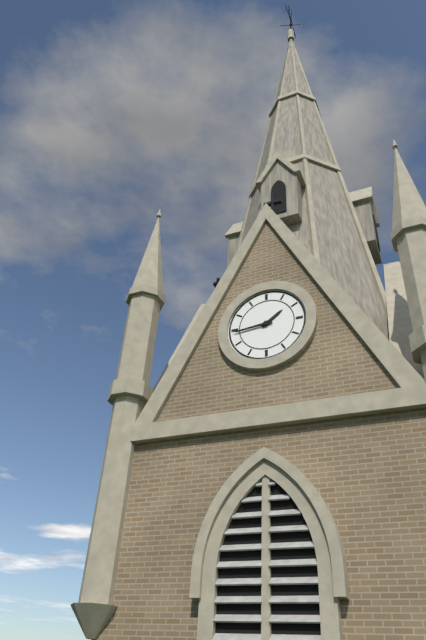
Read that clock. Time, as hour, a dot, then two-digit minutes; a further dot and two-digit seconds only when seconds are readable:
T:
1.44
